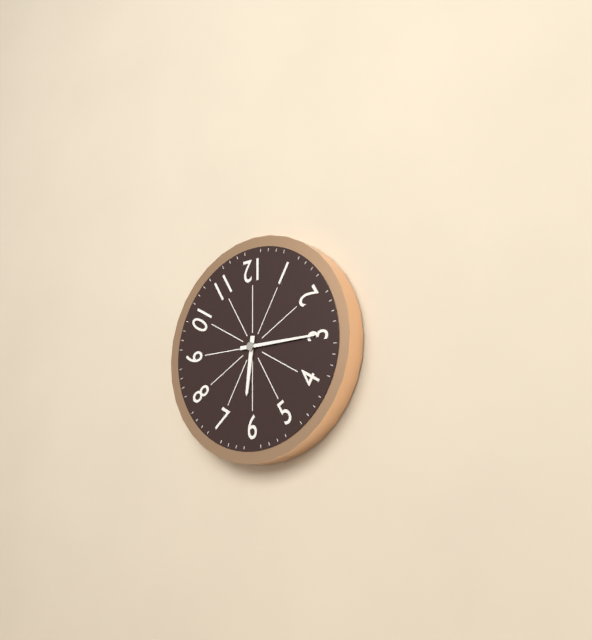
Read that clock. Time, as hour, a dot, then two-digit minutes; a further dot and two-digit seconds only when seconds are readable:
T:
6.15
